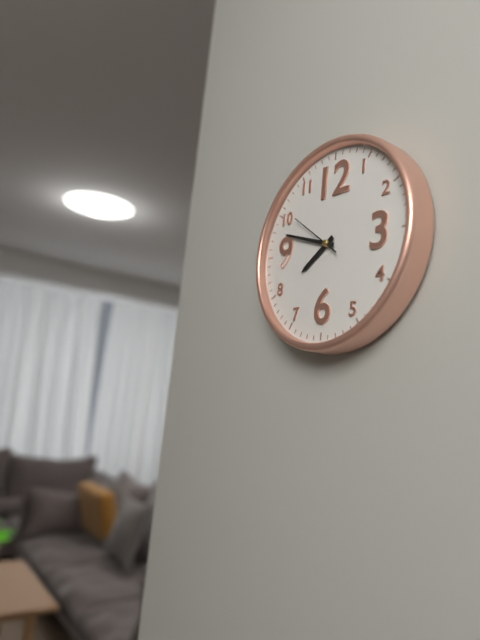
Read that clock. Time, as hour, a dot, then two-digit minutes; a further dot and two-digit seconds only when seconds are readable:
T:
7.48
